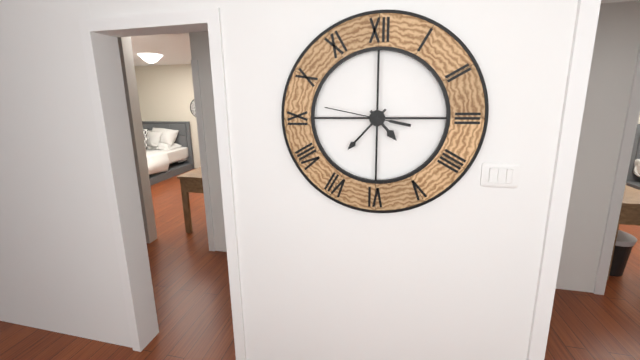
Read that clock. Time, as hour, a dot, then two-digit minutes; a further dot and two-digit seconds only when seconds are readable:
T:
4.37.47
